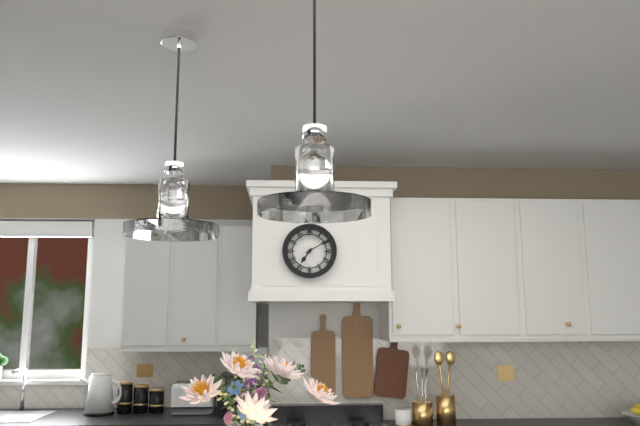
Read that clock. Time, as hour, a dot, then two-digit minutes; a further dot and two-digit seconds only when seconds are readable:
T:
7.10
